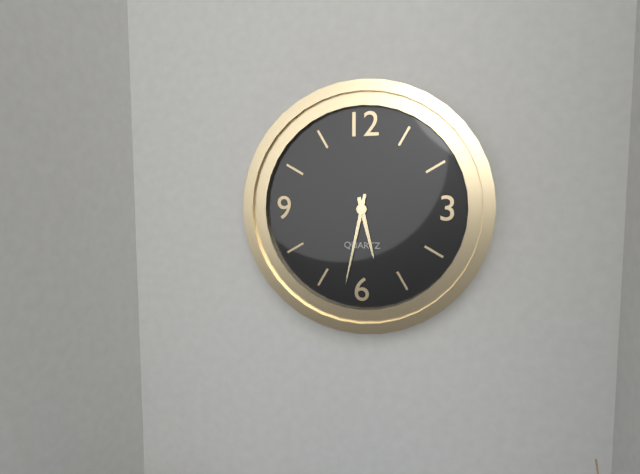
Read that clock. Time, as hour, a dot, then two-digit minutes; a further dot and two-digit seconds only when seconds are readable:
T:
5.32
